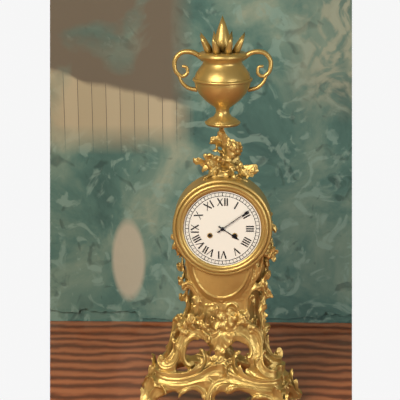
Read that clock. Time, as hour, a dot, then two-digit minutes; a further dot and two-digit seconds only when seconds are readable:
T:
4.09
